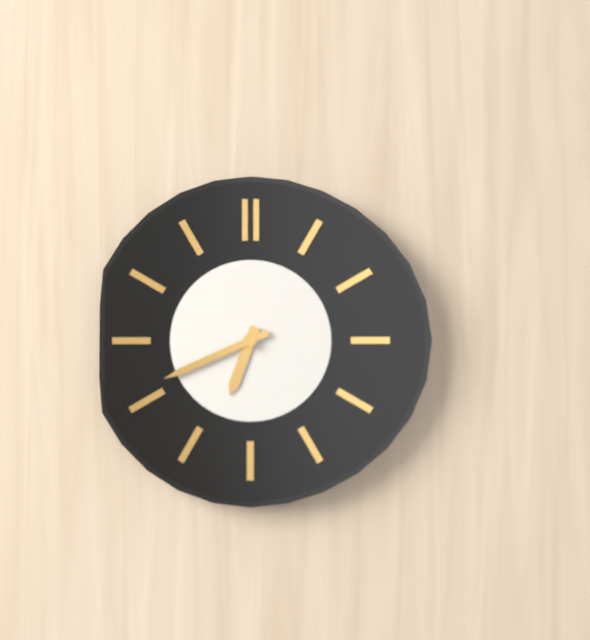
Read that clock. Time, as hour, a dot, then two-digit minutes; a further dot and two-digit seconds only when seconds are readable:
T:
6.41
